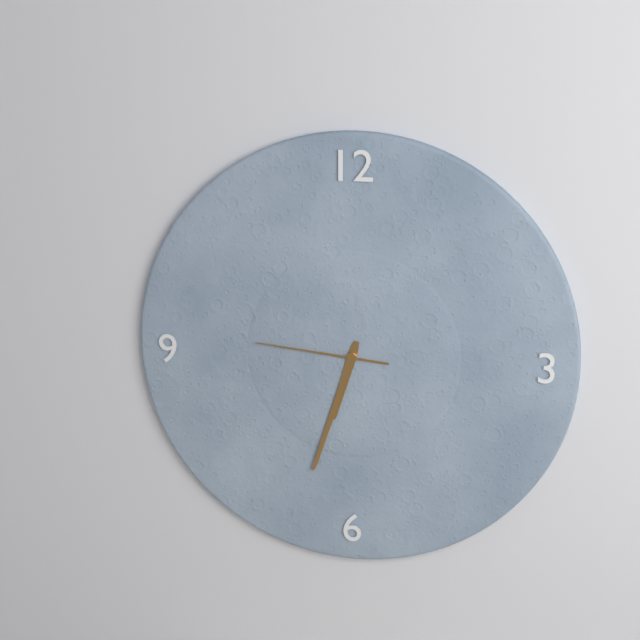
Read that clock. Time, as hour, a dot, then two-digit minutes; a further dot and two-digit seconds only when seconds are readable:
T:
6.33.46
